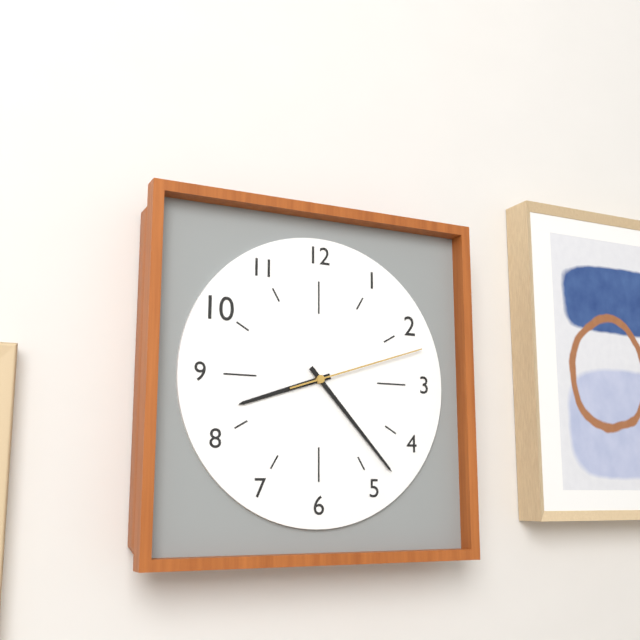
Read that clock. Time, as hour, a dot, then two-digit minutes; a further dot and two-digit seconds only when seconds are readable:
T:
8.23.12
